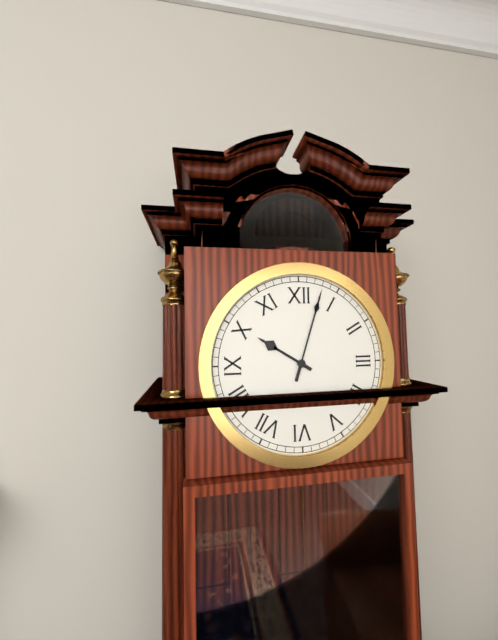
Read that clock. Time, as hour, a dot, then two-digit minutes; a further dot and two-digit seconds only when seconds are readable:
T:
10.03
